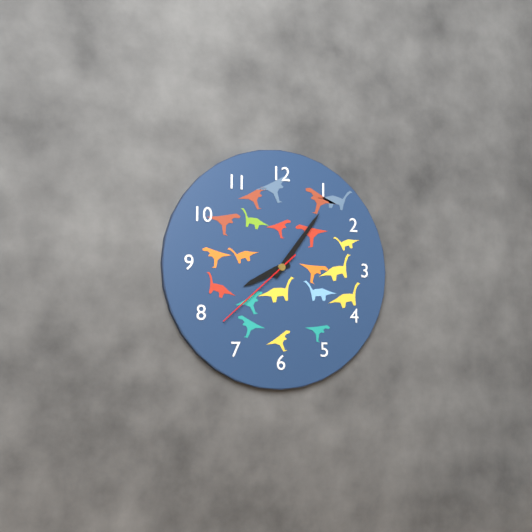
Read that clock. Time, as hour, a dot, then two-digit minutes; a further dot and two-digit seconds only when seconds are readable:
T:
8.06.38
